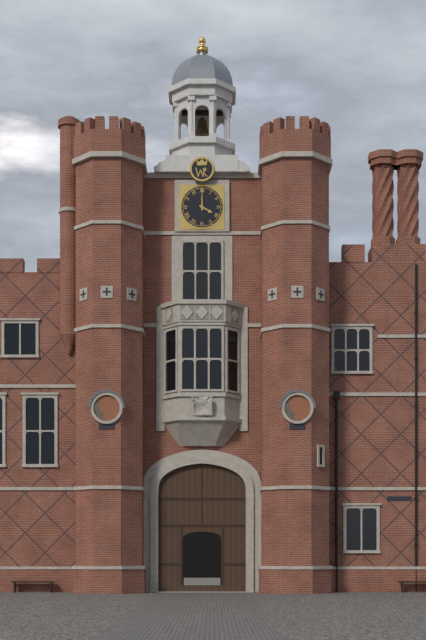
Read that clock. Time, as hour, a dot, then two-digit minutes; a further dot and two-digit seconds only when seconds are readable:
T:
4.00
